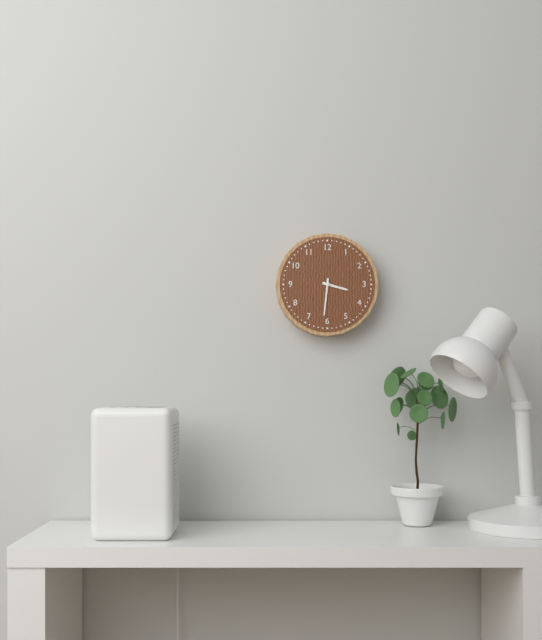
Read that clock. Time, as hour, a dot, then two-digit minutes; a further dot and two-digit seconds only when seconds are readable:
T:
3.31
